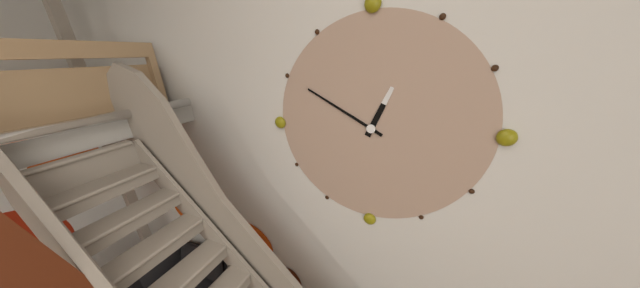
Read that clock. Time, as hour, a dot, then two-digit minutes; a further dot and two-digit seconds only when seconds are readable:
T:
12.50
